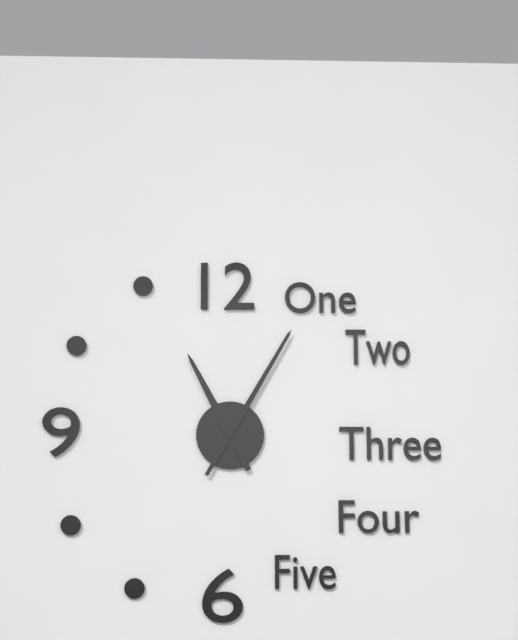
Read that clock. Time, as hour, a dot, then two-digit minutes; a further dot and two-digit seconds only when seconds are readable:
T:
11.05
